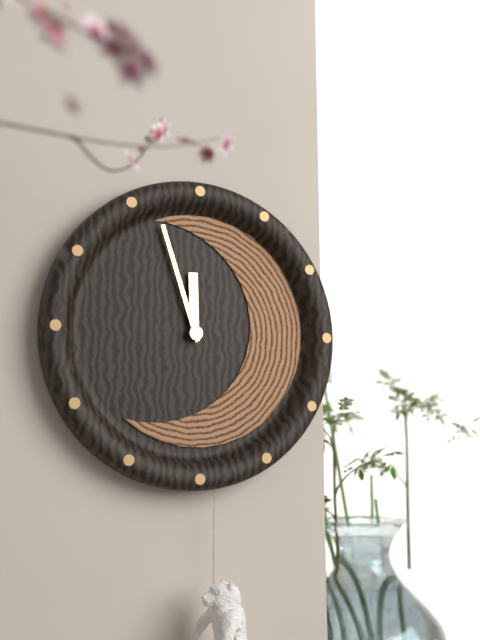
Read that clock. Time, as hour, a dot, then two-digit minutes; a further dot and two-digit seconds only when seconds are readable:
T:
11.57
